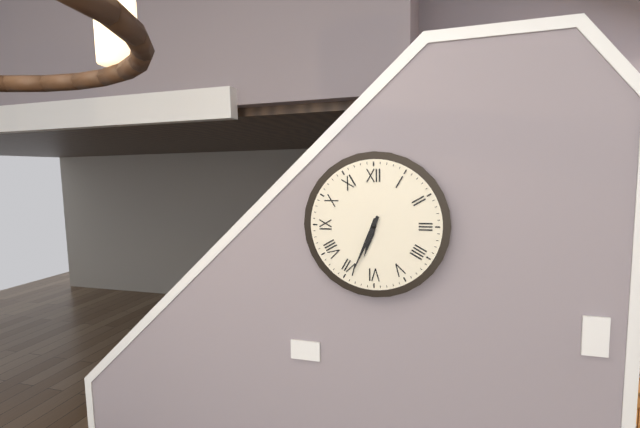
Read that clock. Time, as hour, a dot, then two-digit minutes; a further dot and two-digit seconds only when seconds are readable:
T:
6.34
